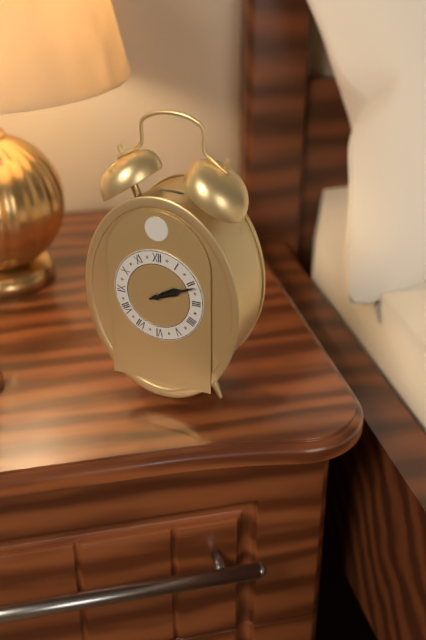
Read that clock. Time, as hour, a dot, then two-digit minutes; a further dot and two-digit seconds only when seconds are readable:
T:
2.11
